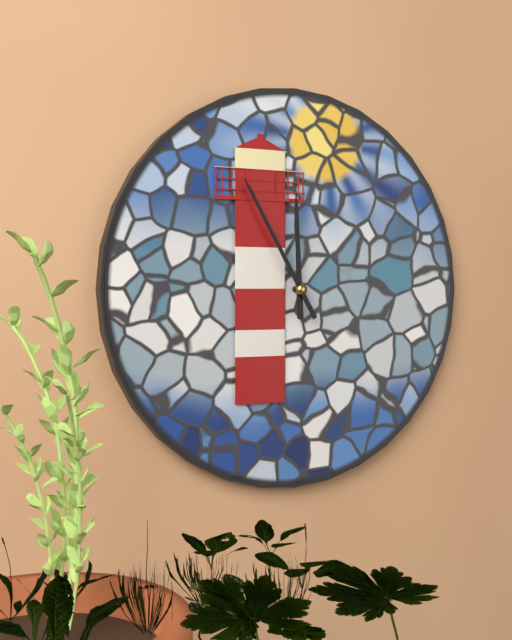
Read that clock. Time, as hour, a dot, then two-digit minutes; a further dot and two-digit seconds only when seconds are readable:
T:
11.55
